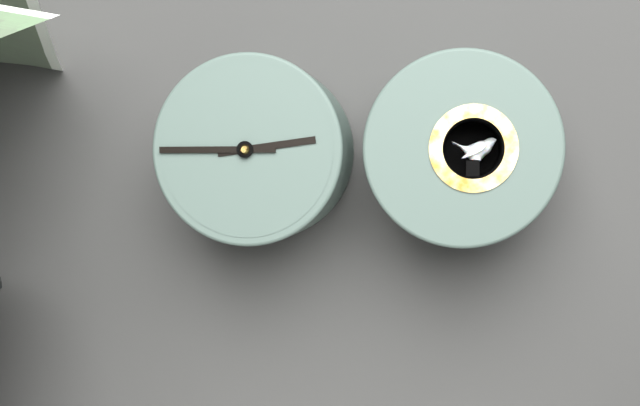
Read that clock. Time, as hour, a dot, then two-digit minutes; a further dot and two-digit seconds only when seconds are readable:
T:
2.45
